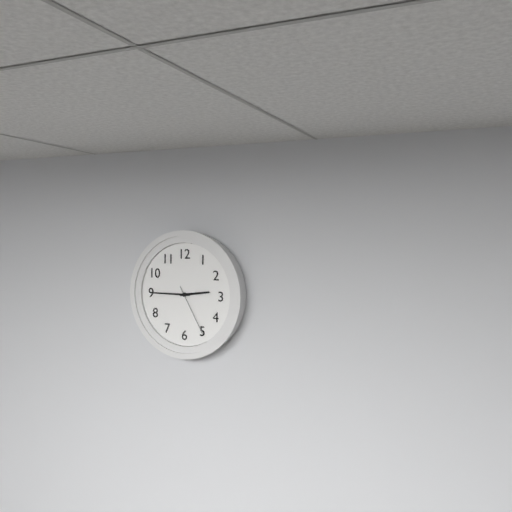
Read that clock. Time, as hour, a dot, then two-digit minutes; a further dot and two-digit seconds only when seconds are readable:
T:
2.45.25
